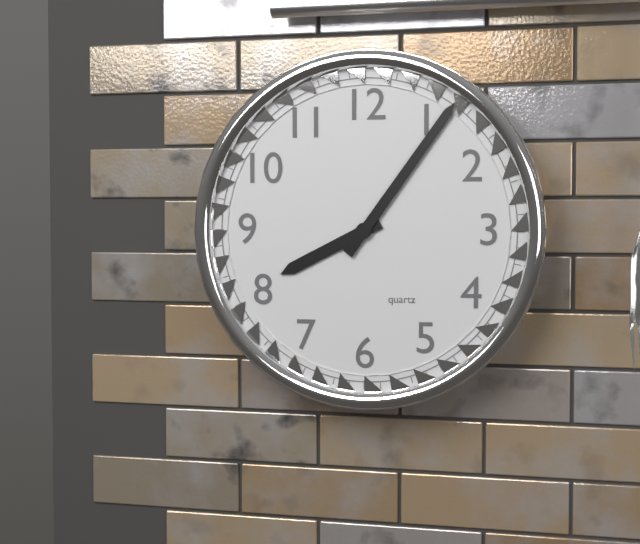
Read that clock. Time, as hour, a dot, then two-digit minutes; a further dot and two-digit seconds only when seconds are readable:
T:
8.06
